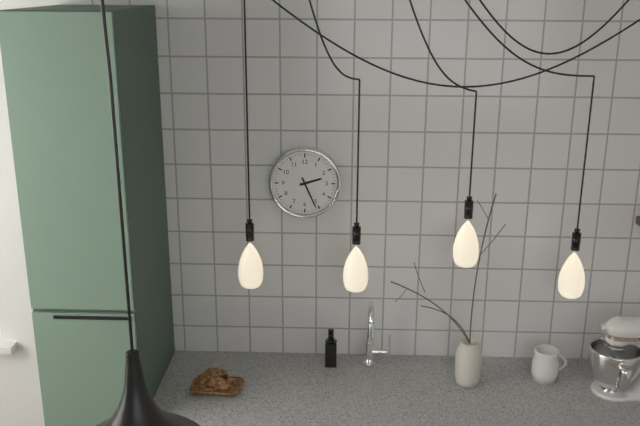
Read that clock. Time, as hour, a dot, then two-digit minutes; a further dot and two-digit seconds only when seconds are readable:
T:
2.26
